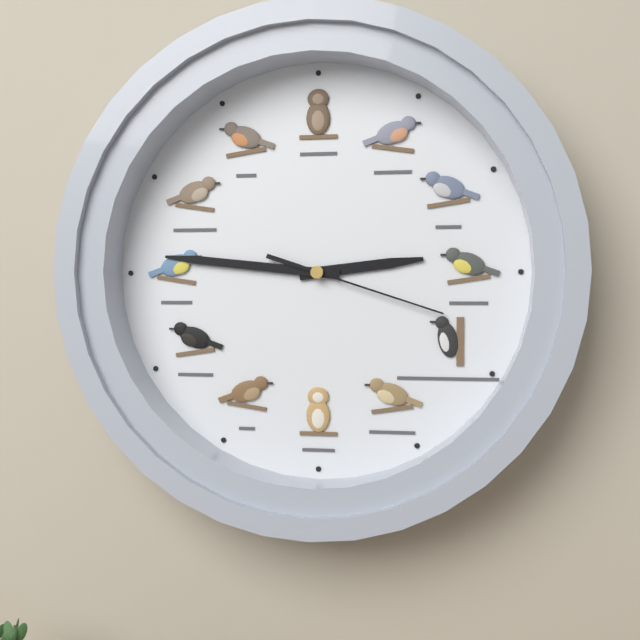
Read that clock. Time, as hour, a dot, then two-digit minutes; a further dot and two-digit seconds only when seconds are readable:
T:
2.46.18
